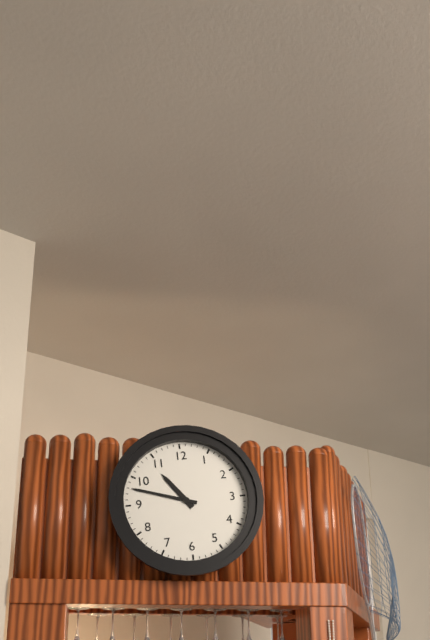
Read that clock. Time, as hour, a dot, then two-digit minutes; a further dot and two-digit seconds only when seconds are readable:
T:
10.48
